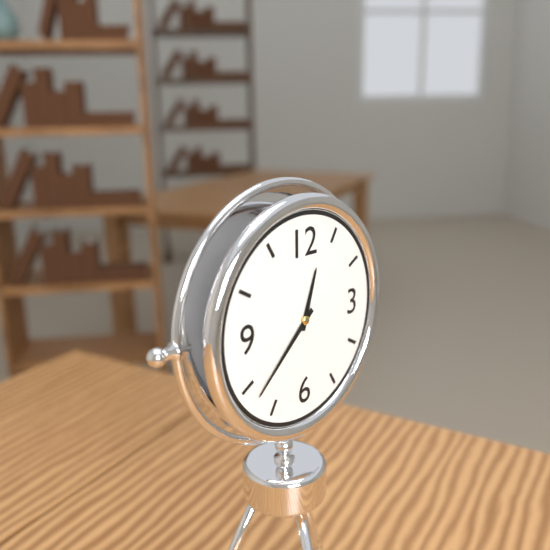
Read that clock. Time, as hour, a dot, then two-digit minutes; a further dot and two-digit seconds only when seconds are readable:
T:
12.38
